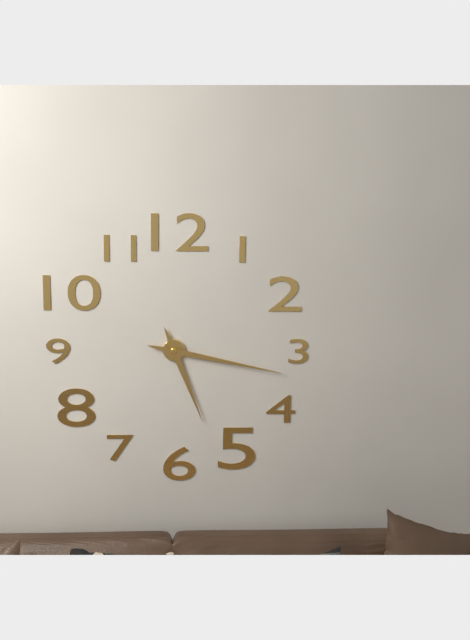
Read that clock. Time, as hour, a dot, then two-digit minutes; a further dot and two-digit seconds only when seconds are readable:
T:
5.17
